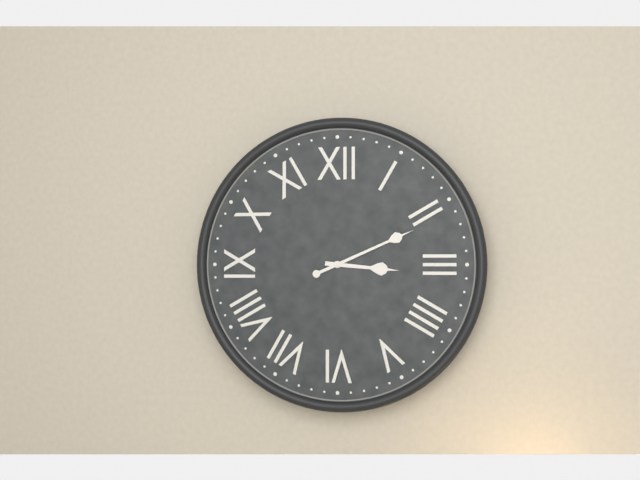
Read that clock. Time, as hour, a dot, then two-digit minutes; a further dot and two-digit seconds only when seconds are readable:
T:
3.11
